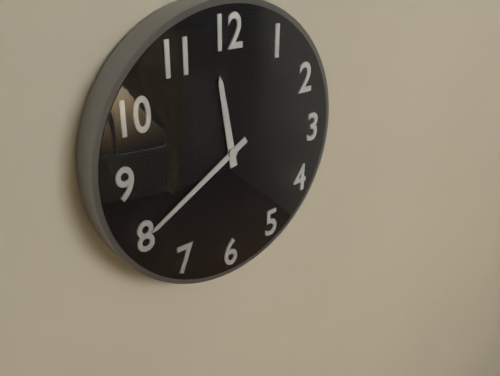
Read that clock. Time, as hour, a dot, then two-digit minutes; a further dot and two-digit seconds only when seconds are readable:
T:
11.40
